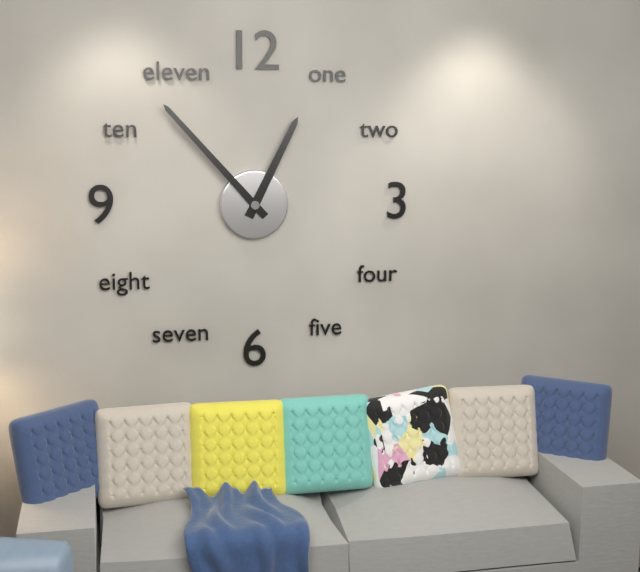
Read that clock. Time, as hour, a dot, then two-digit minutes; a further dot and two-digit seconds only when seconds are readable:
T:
12.53
